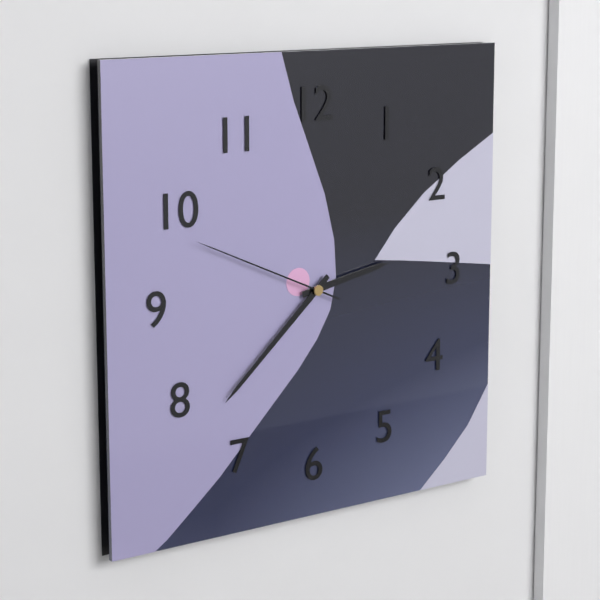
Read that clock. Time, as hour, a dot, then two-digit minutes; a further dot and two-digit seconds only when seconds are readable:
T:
2.38.49
